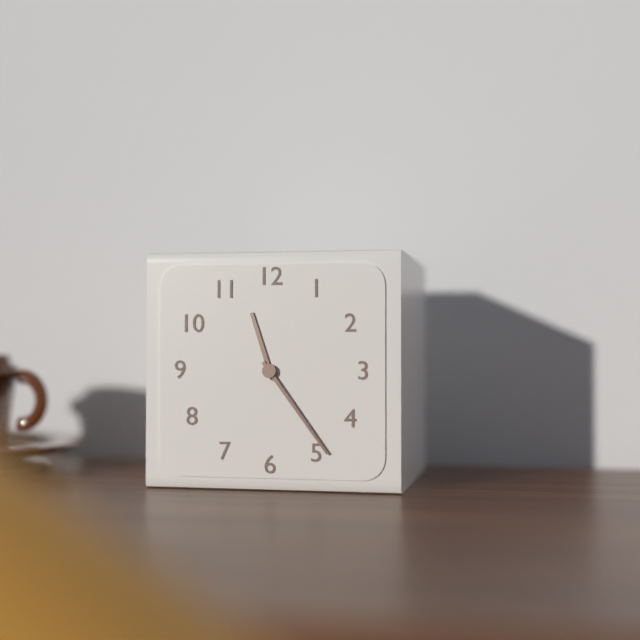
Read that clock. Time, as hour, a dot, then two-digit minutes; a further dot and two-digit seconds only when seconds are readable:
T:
11.24
